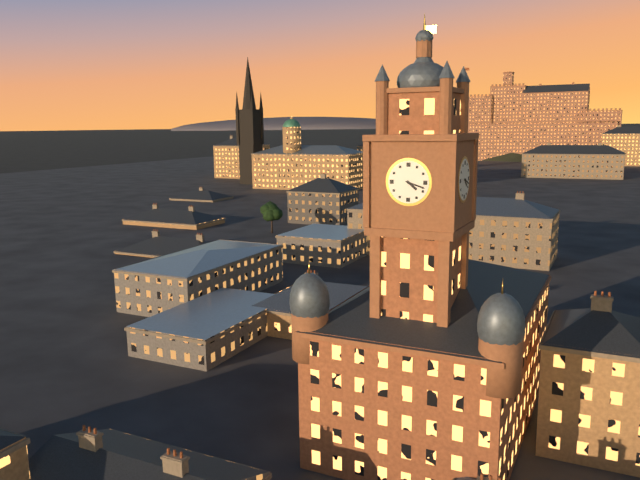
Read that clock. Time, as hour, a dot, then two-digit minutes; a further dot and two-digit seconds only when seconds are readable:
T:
4.18
